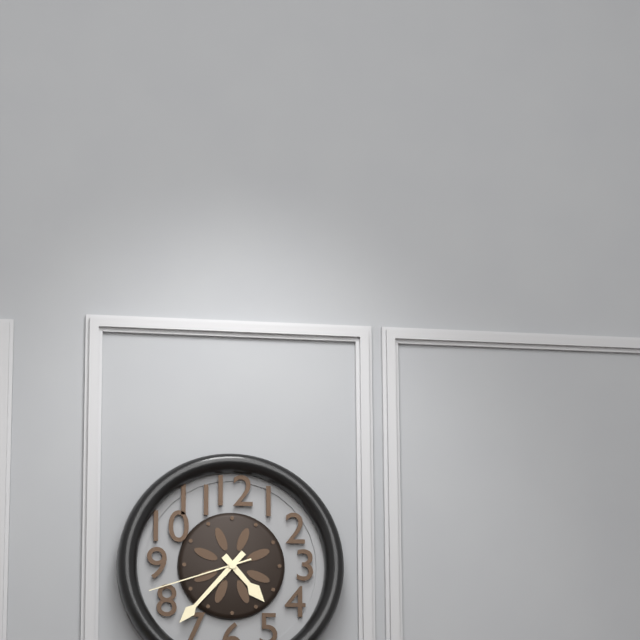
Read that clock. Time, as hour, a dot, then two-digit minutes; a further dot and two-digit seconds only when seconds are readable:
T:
4.37.42
